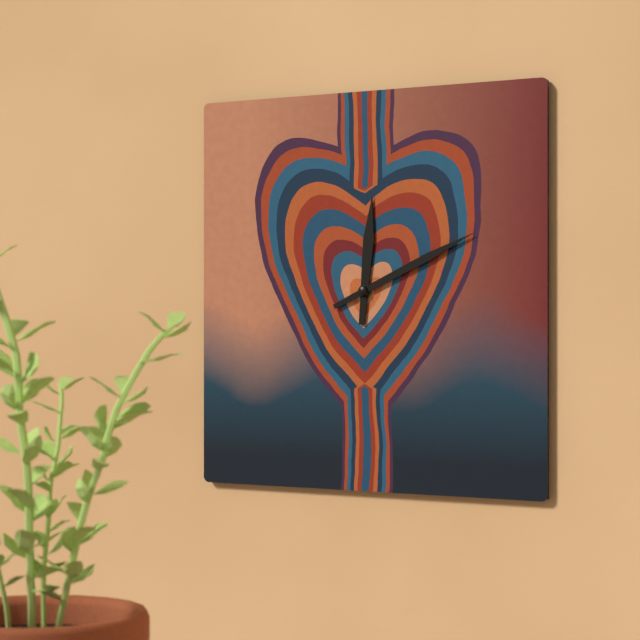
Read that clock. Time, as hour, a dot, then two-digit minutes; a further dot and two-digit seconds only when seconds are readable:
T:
12.11
